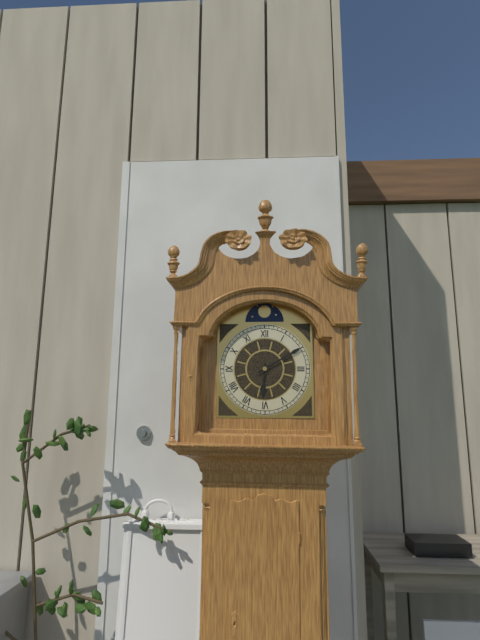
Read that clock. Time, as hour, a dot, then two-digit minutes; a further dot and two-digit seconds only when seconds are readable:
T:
6.10
